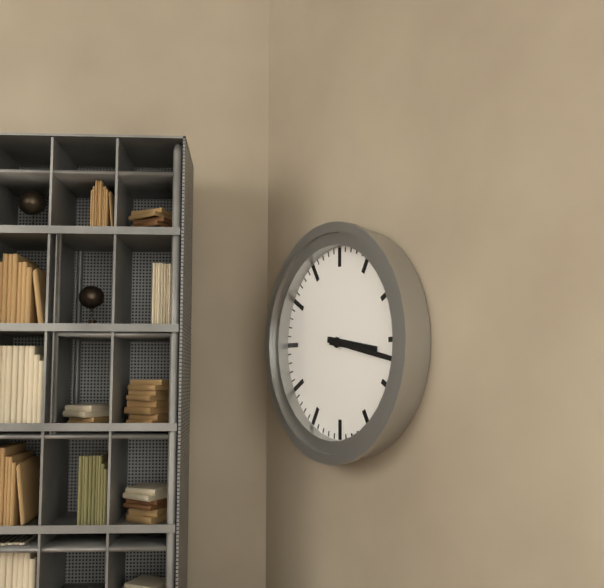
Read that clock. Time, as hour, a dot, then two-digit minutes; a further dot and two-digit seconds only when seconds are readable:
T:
3.17
